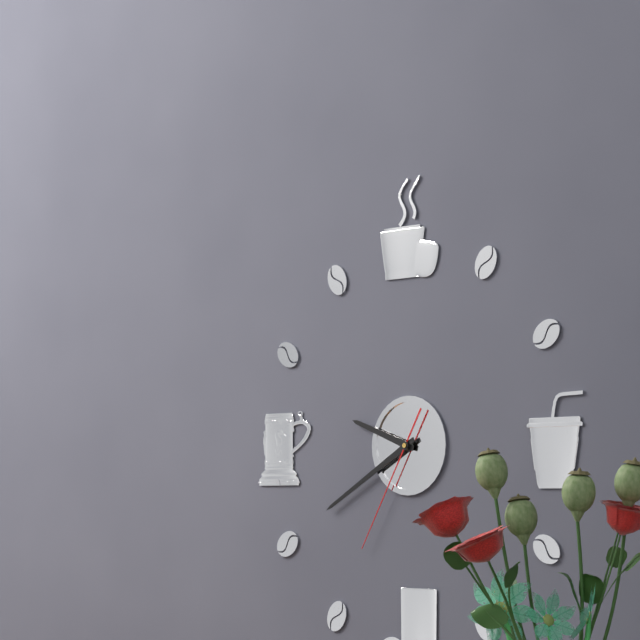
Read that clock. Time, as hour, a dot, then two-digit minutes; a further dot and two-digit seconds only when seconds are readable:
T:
9.40.35
